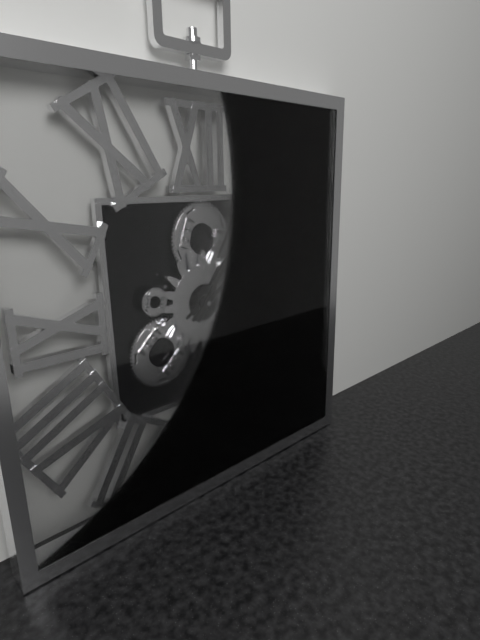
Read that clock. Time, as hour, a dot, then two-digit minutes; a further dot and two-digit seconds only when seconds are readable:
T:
1.09
